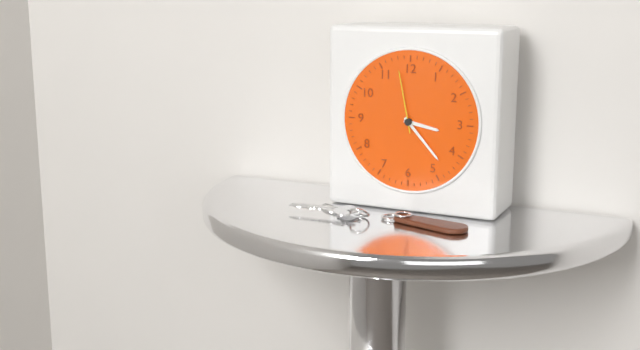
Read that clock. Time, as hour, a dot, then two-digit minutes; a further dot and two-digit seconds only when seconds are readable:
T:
3.23.58
